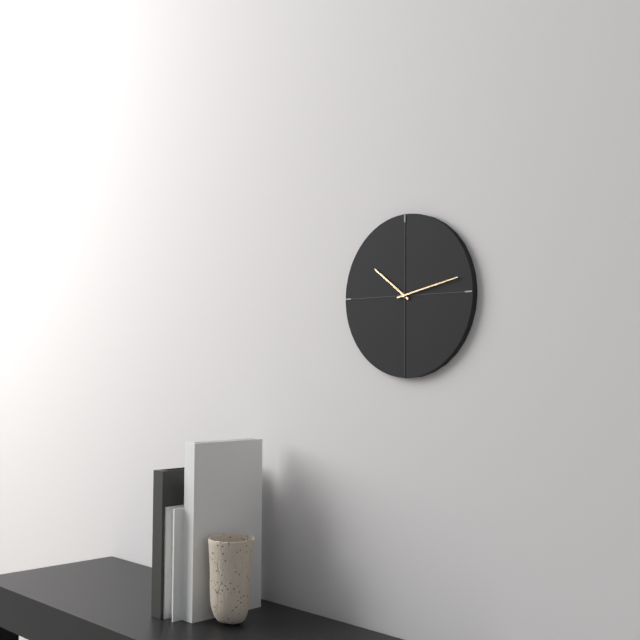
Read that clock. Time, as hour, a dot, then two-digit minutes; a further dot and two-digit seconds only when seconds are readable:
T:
10.13
